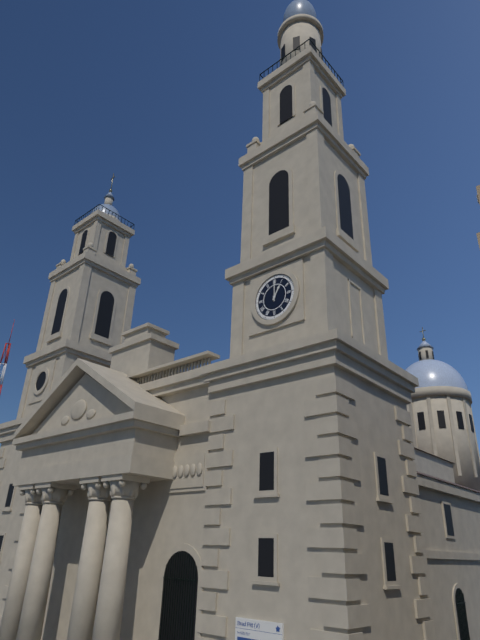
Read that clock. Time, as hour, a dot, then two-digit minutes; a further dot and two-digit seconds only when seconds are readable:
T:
1.00
